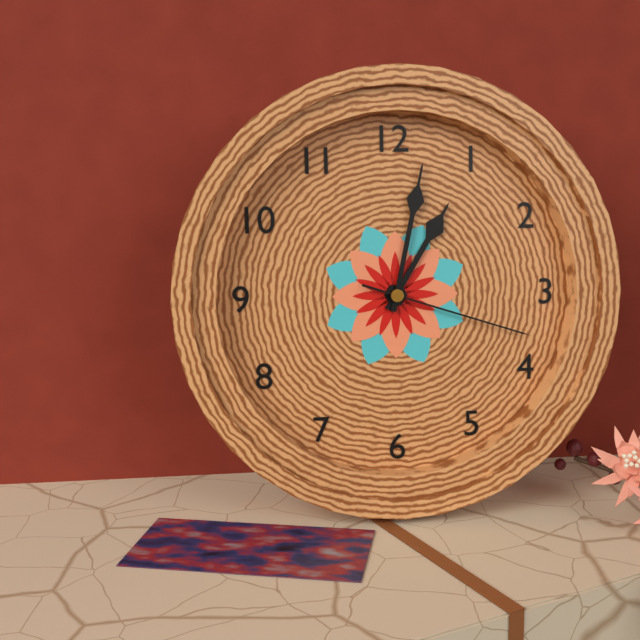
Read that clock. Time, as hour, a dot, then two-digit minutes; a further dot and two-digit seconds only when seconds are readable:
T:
1.02.18
